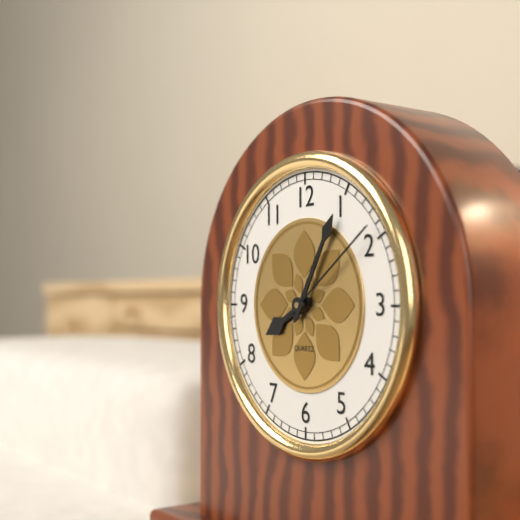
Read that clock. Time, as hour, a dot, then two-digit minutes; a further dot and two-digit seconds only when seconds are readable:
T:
8.05.09
